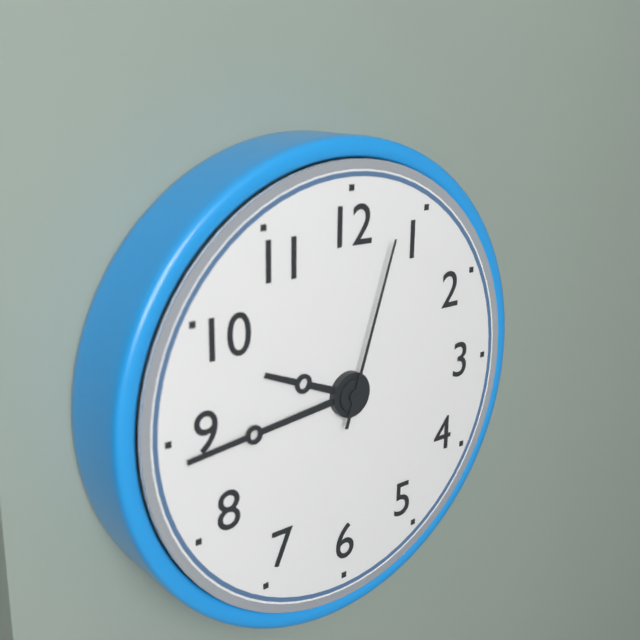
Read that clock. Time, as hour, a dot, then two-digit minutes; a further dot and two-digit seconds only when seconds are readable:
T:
9.44.03
